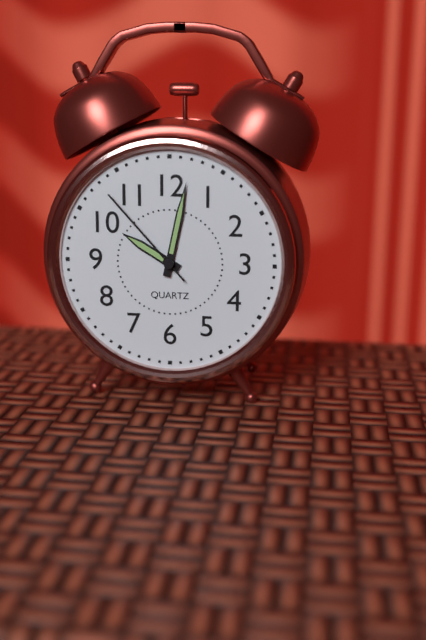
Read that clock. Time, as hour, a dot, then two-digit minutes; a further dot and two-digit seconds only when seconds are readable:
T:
10.02.53
